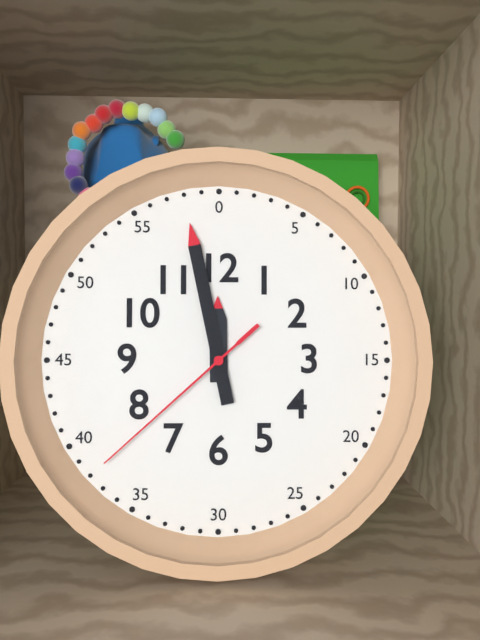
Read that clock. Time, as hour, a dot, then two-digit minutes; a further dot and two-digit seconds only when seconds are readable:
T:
11.58.38
